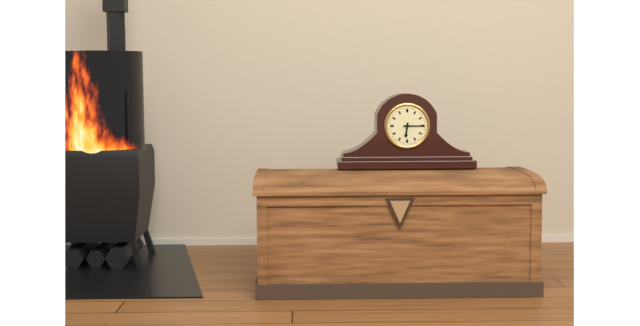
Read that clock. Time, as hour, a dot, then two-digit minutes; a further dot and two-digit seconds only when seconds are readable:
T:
6.15
